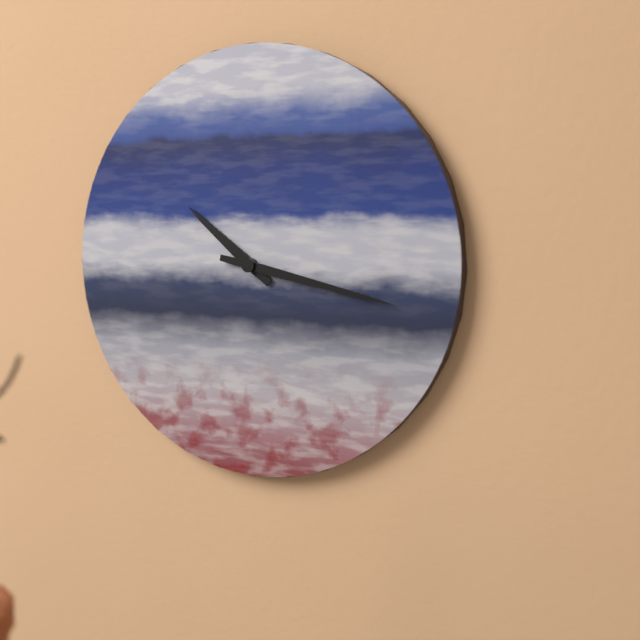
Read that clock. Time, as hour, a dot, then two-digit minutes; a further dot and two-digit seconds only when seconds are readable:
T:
10.17
